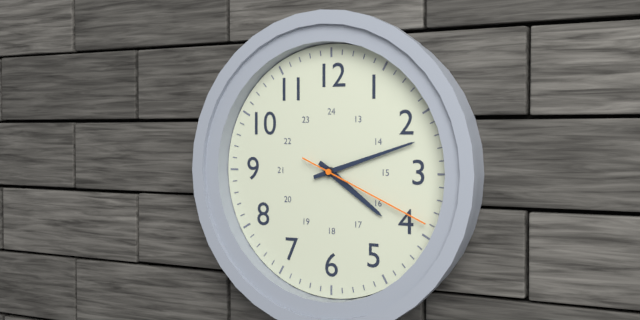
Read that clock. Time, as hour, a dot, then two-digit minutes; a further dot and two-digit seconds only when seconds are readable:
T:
4.12.19
